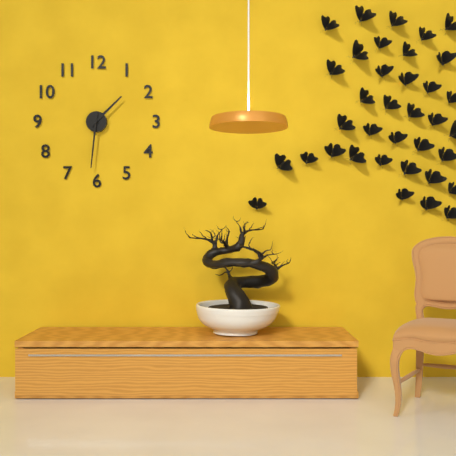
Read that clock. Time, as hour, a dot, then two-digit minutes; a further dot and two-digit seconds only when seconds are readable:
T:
1.31
